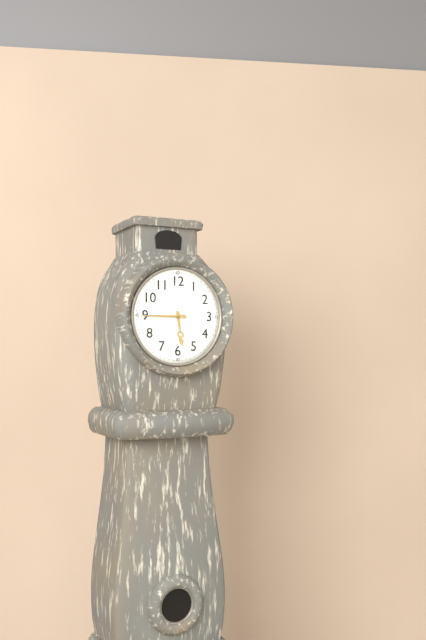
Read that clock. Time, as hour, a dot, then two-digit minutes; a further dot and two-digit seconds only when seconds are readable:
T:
5.45
